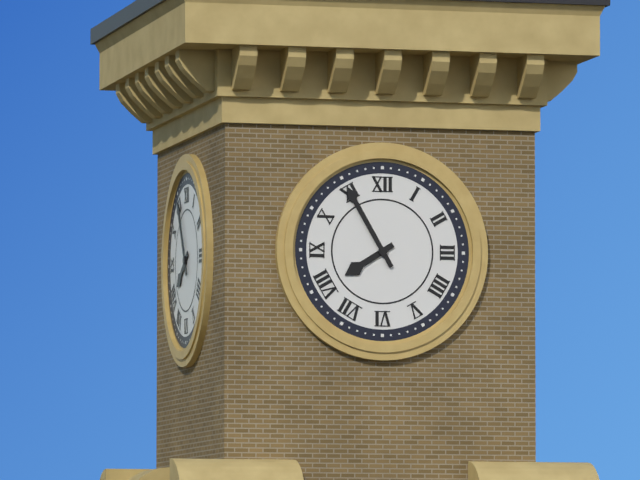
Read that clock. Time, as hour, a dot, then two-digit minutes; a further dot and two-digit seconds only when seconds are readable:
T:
7.55
